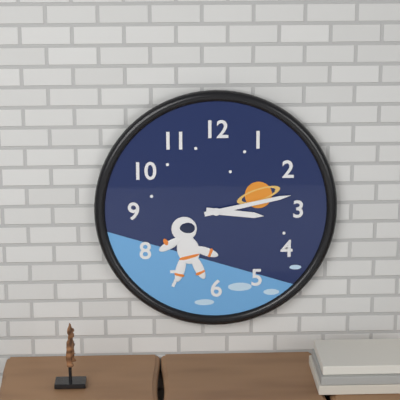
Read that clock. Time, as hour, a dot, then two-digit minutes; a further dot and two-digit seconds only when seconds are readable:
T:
3.13
